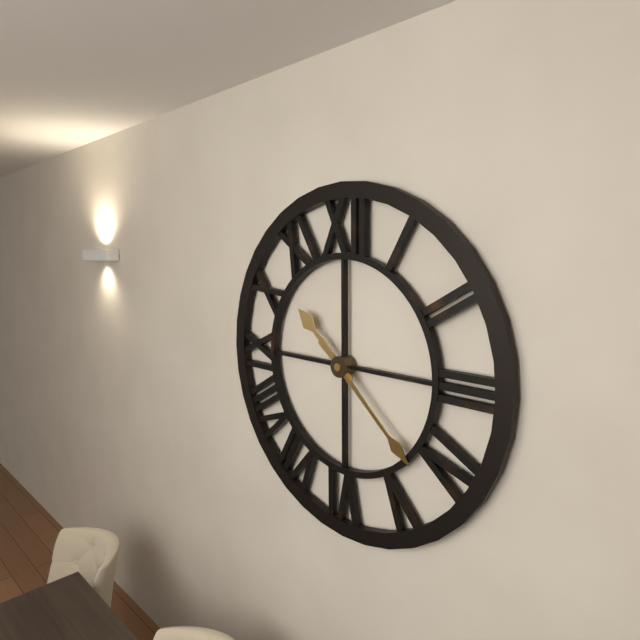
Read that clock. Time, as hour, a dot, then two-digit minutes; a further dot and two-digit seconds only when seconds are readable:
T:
10.22
